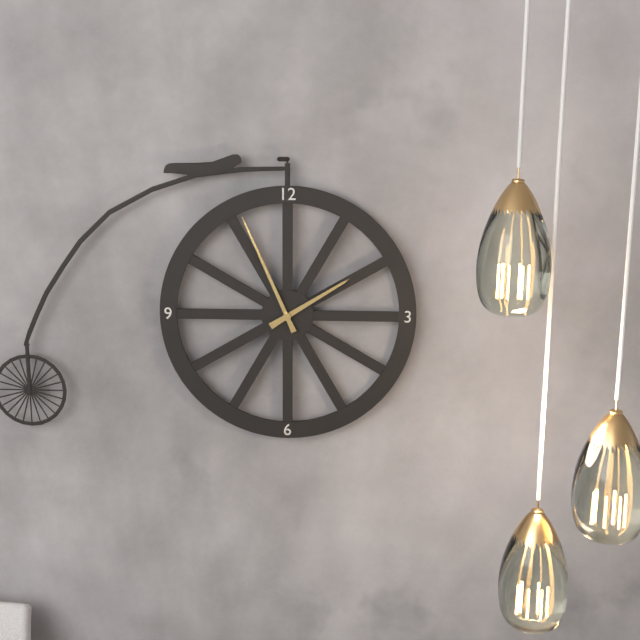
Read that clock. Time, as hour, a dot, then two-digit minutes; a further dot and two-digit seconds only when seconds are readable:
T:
1.56
